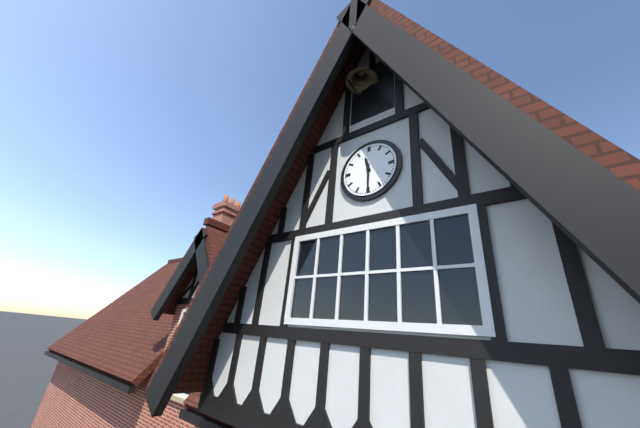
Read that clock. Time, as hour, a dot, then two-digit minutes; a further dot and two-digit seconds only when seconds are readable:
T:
11.30
